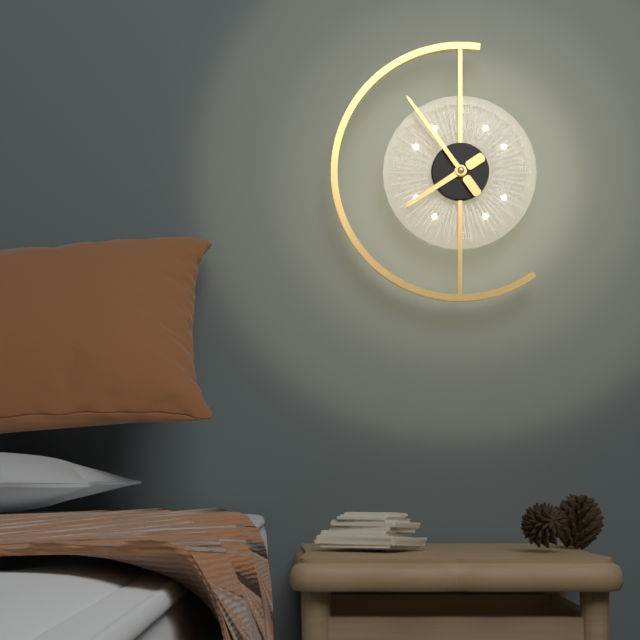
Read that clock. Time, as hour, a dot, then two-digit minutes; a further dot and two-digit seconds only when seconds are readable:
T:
7.54
